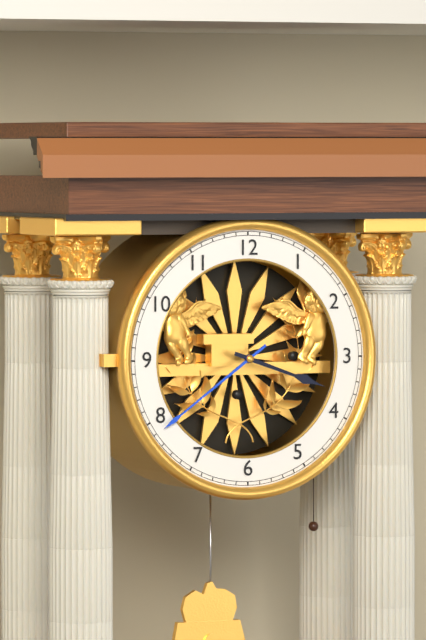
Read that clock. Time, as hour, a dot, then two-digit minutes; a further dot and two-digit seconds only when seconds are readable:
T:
3.39
